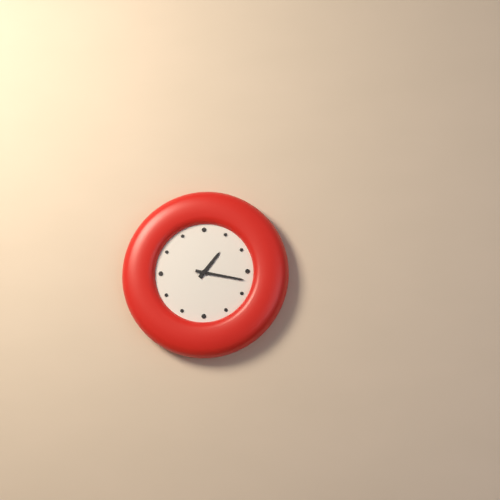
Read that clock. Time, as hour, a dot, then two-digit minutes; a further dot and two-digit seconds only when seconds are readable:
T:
1.17
